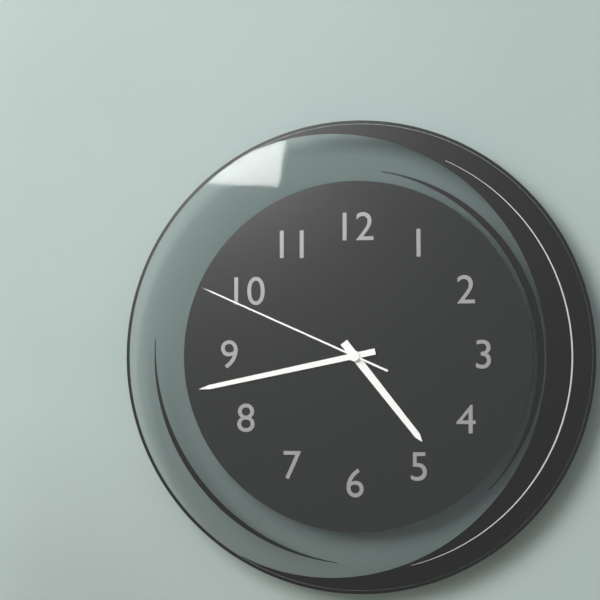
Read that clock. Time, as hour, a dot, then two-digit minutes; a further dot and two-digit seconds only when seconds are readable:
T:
4.43.49
